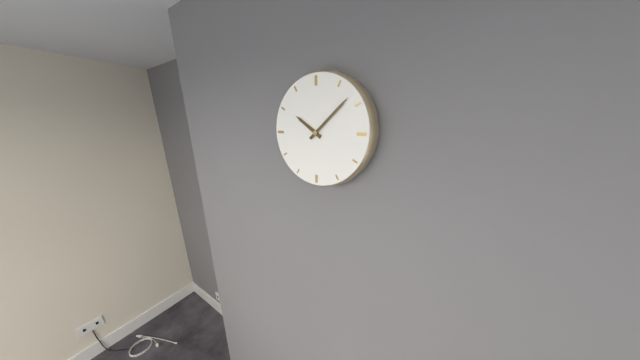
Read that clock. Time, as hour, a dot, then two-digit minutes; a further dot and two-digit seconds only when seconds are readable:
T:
10.08
